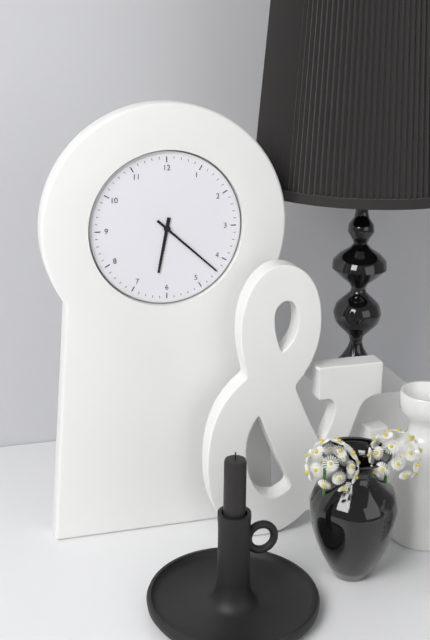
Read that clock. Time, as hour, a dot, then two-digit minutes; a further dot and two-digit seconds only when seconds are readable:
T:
6.22
